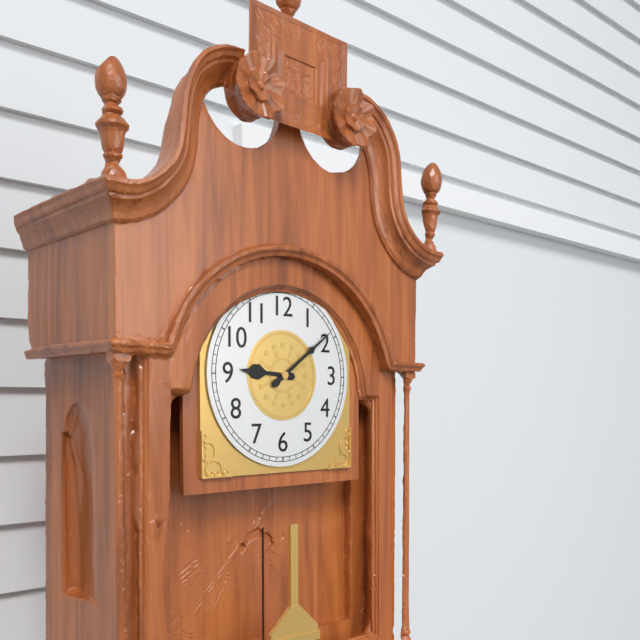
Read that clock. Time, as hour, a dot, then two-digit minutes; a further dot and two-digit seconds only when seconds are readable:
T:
9.09
